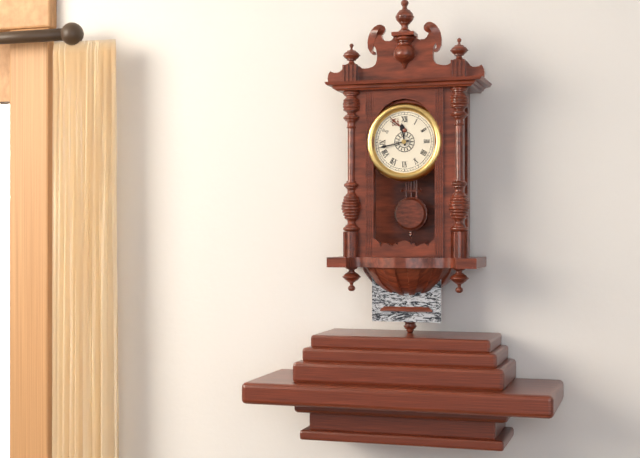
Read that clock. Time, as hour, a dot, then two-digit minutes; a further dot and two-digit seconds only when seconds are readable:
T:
11.43
